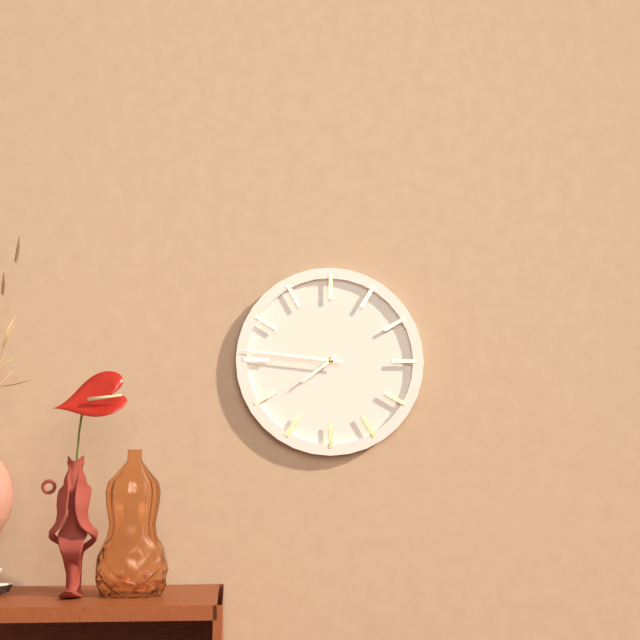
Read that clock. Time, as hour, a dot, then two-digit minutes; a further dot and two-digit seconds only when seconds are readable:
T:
7.46
